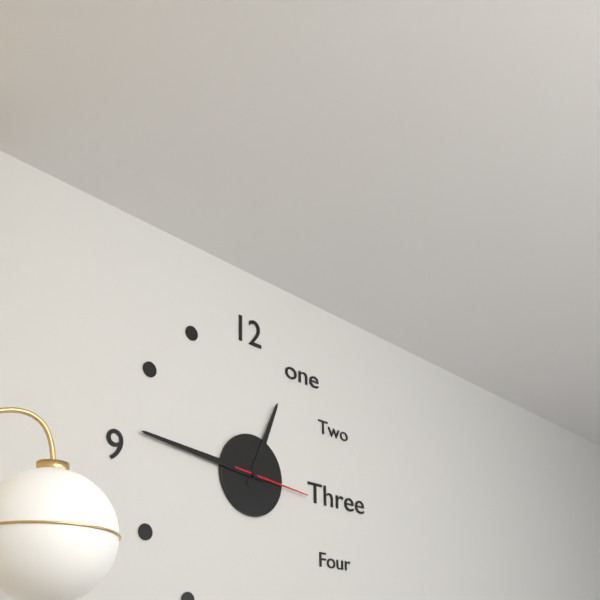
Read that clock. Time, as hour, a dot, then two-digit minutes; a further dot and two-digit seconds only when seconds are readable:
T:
12.46.16
